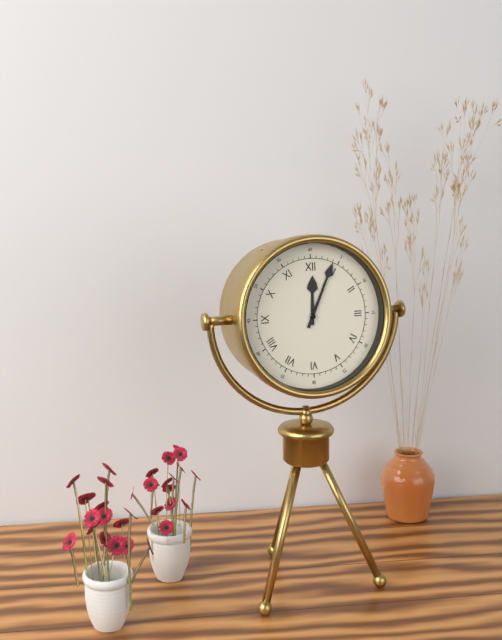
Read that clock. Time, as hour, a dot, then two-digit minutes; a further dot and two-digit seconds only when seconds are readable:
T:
12.04
